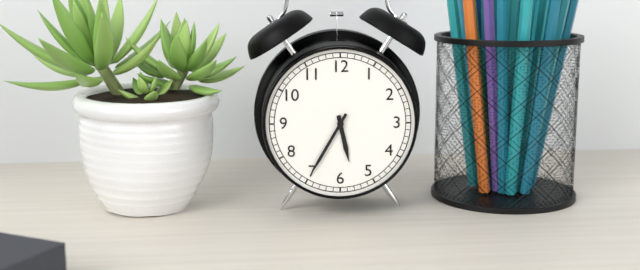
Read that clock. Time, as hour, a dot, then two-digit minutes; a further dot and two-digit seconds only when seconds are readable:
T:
5.35
